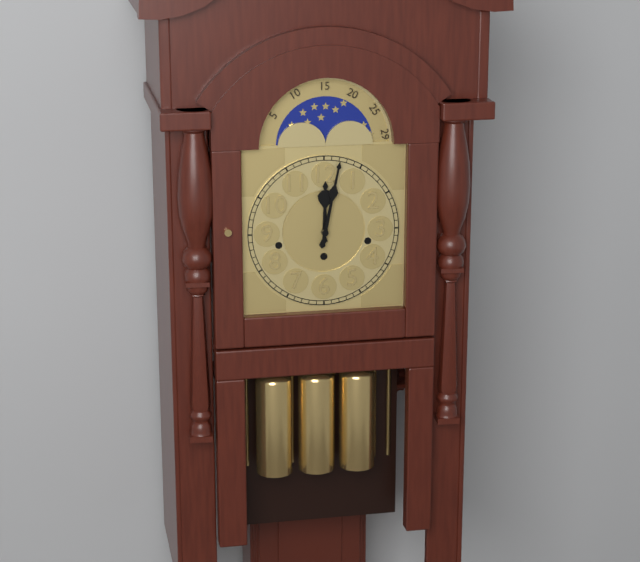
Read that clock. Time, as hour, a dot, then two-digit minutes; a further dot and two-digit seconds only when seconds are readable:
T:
12.02
